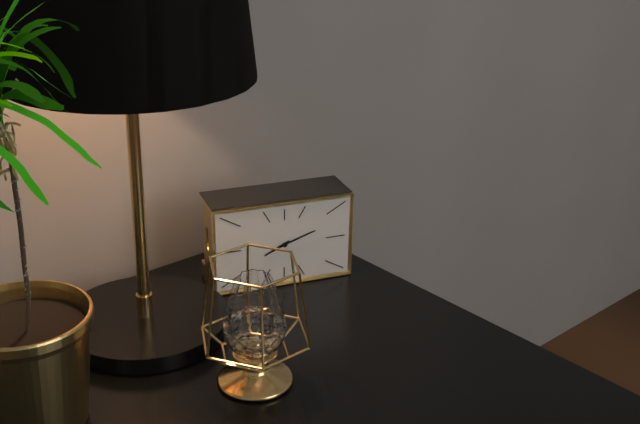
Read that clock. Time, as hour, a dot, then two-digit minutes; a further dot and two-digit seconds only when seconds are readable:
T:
8.12
